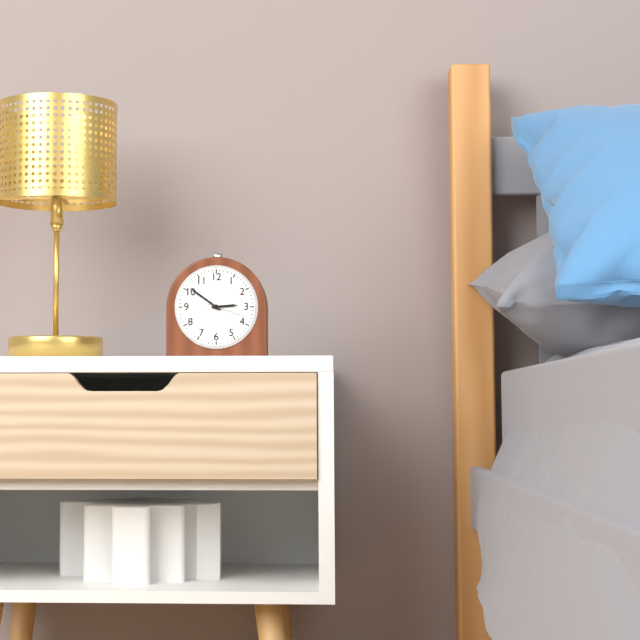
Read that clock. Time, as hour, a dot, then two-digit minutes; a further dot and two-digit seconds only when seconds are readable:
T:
2.51
